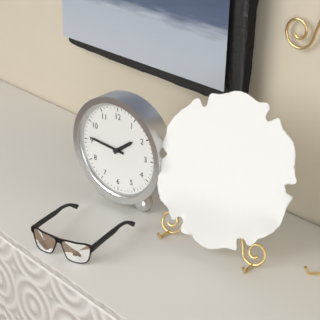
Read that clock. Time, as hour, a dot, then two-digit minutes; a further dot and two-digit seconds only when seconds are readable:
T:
1.46
